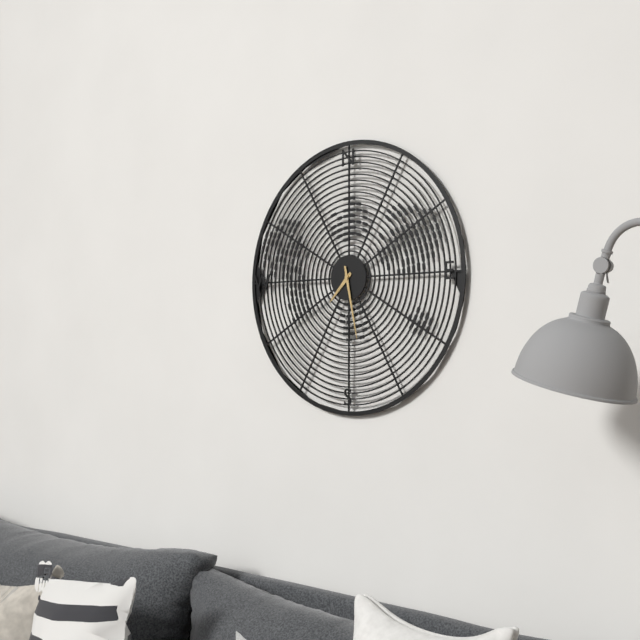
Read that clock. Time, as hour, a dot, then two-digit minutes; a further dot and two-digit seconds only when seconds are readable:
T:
7.28
